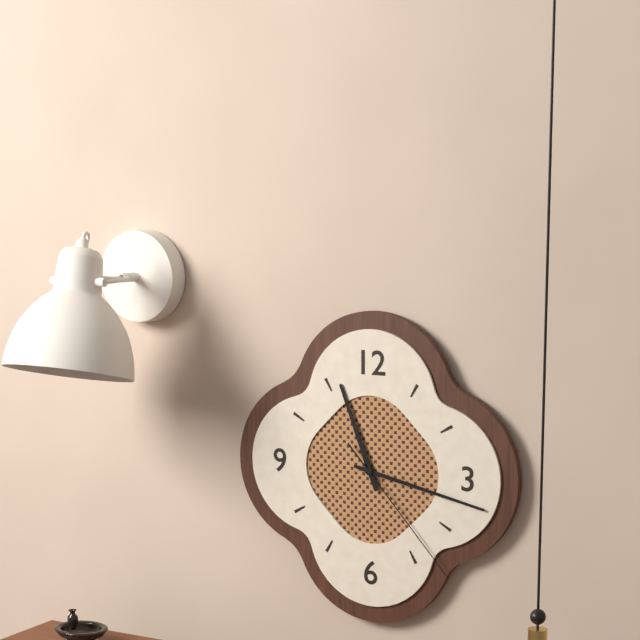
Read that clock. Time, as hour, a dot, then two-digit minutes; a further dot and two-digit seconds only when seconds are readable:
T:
11.17.23
